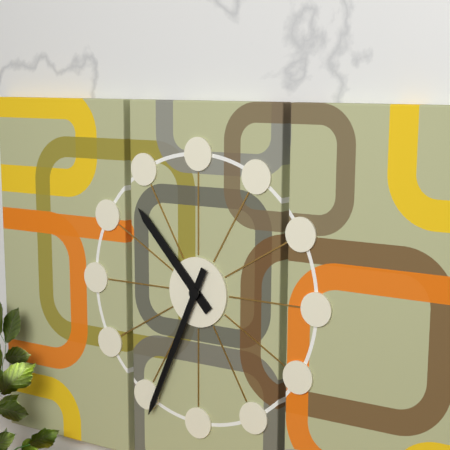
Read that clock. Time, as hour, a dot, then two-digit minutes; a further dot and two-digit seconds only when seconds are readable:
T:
10.34
